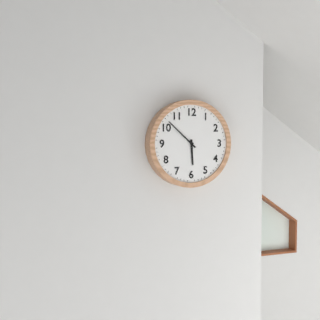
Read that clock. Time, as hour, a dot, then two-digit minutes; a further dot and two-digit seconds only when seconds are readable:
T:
5.52
